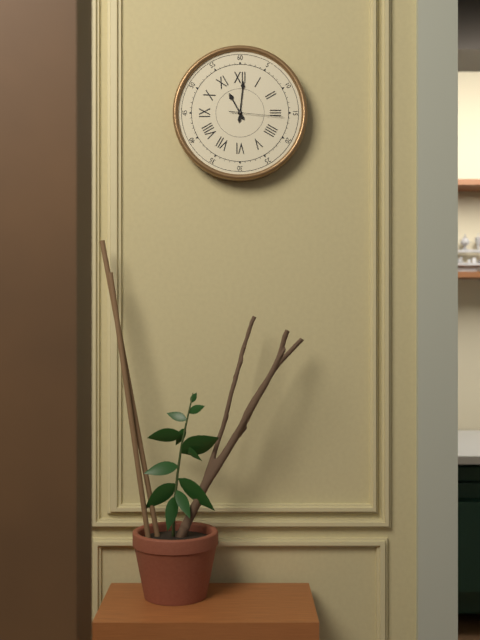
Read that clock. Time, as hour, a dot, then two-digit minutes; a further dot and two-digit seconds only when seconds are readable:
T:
11.01.16
